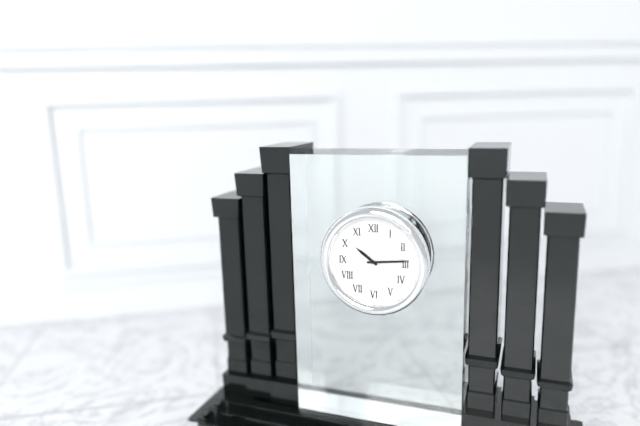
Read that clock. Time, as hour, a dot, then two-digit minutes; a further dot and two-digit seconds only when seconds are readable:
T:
10.14
